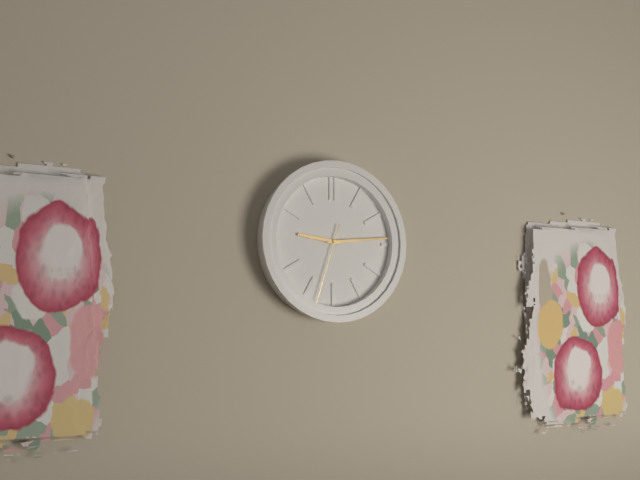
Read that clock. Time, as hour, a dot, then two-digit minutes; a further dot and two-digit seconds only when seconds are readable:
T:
9.14.33
